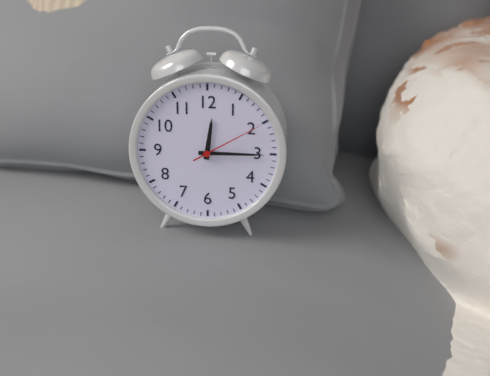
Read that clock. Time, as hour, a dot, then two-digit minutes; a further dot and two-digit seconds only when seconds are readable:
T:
12.15.10
